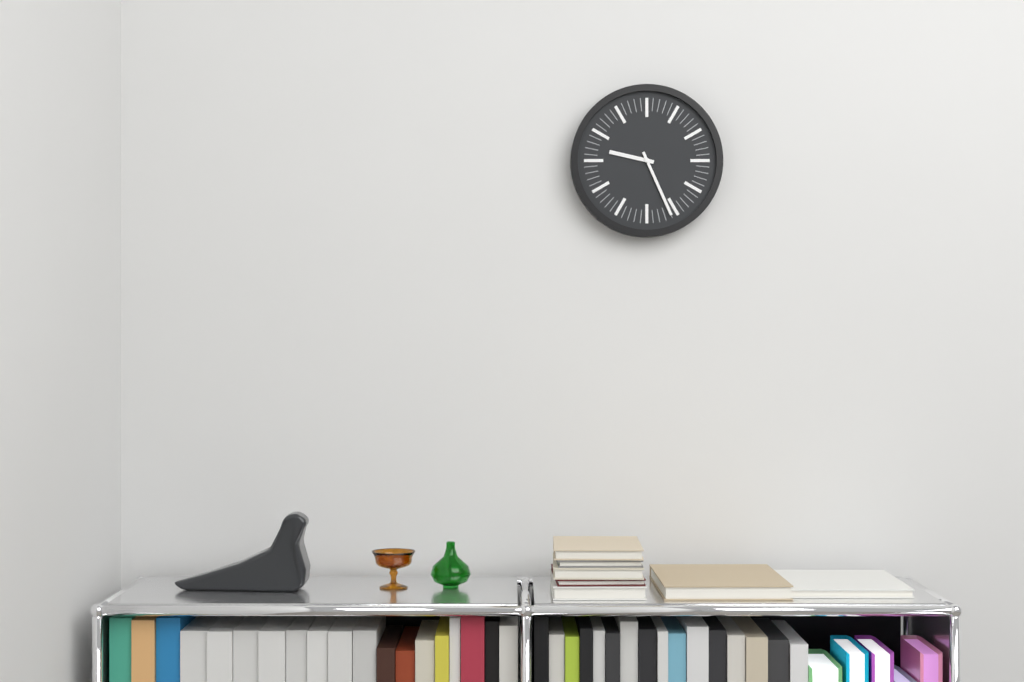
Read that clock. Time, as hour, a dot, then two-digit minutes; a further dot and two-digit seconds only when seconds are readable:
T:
9.26
